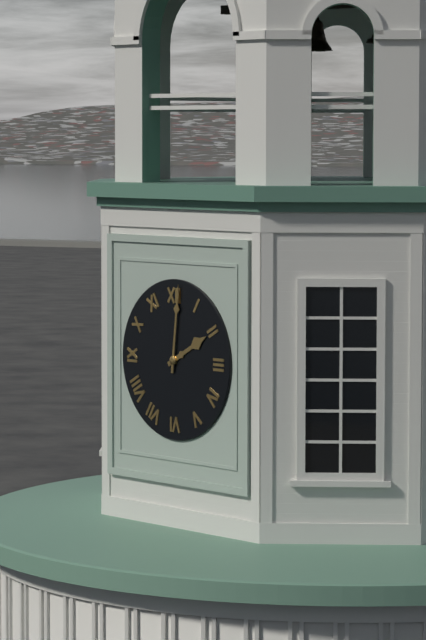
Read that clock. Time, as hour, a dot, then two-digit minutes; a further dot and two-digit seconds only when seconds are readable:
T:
2.01
